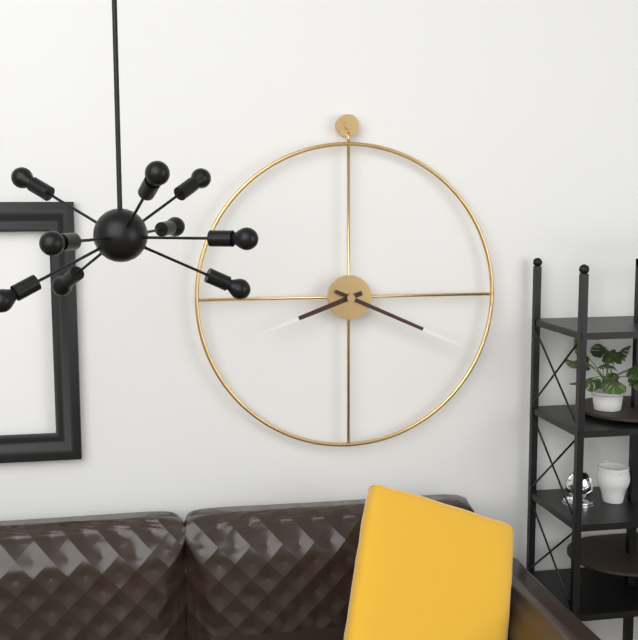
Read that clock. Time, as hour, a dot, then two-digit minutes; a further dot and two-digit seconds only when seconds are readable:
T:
8.19
